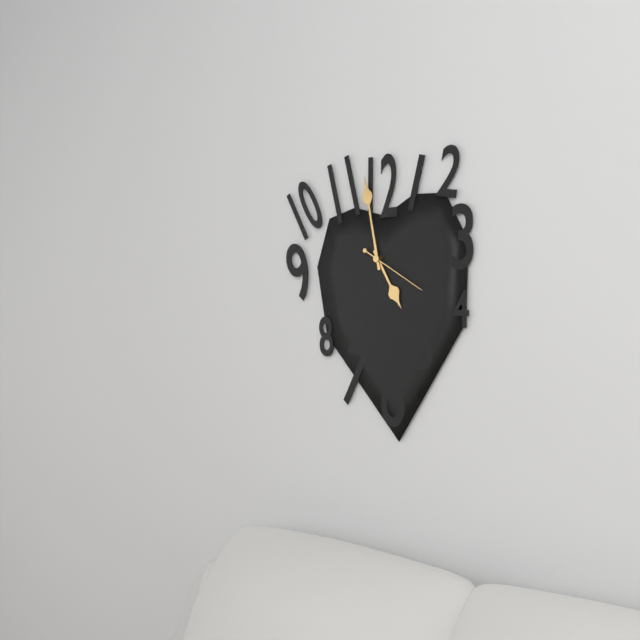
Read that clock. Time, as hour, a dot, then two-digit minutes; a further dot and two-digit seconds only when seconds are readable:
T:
4.58.20
